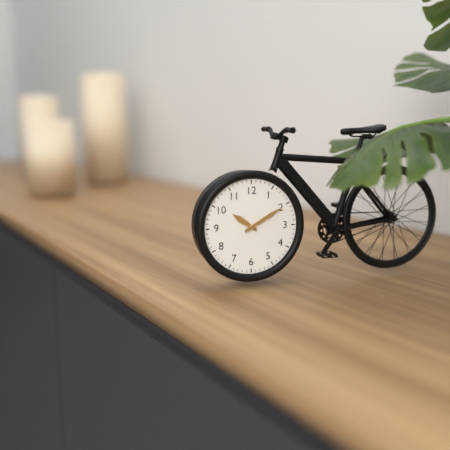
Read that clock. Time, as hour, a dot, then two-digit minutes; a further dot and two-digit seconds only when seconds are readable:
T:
10.10
